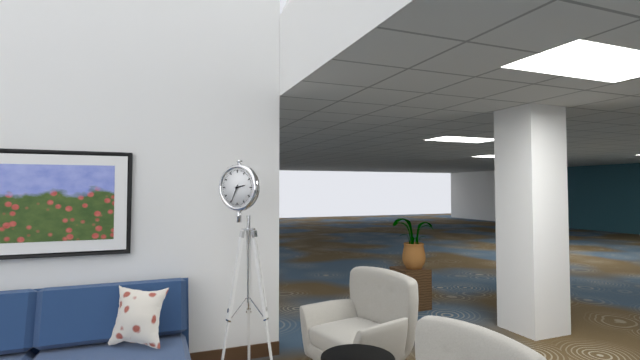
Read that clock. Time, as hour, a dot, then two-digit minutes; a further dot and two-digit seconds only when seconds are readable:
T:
2.34
